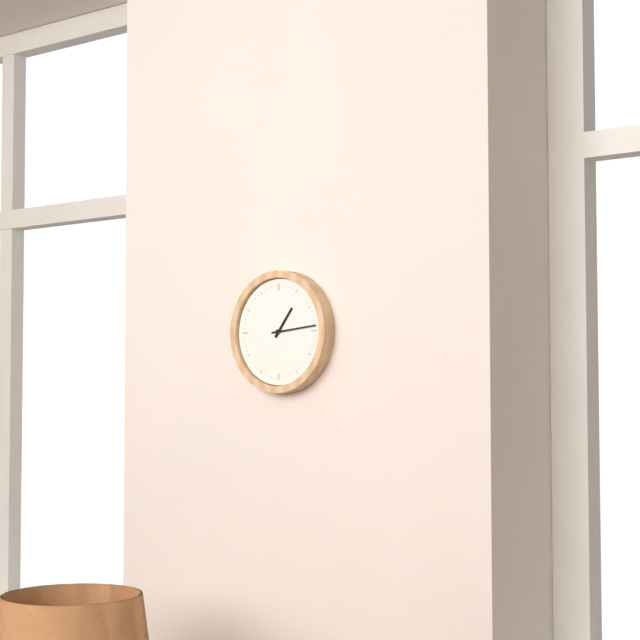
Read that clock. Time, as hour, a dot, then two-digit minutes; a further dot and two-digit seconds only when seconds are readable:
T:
1.14
